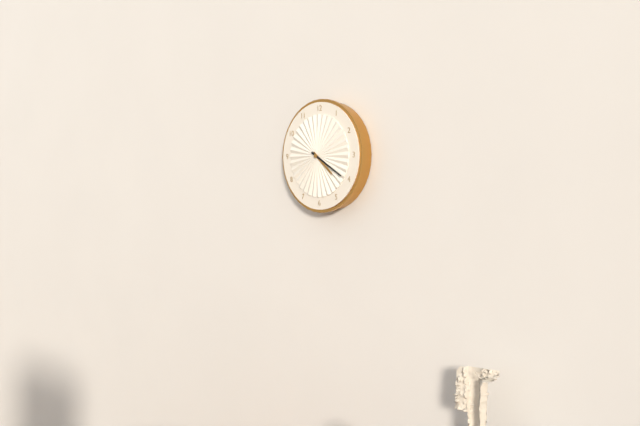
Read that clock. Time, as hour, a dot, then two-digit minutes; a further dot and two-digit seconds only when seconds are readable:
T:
4.20
